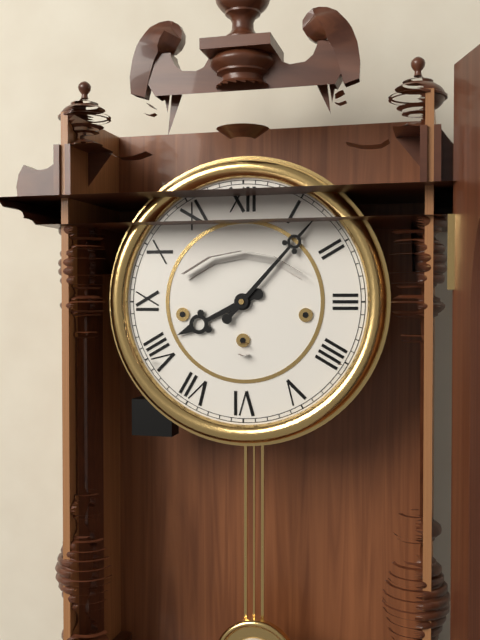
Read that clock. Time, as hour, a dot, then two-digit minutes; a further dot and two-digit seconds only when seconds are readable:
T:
8.07
